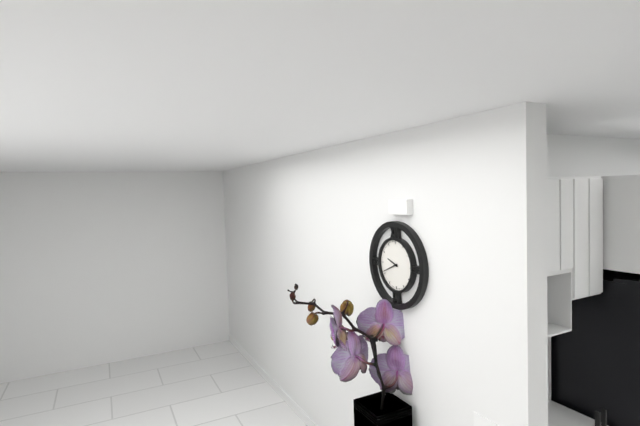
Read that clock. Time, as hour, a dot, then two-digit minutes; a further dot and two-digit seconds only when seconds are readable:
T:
9.41
